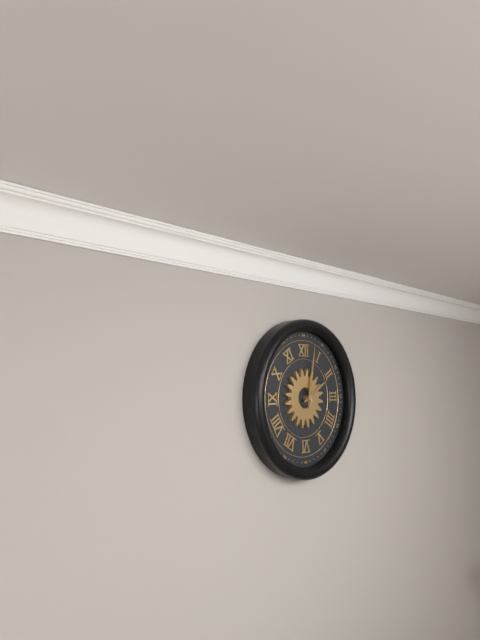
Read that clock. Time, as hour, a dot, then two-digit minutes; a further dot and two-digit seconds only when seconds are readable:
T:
2.02
